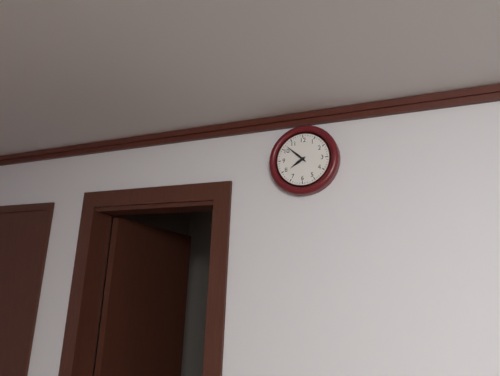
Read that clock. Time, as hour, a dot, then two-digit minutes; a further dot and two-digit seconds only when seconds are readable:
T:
7.52
